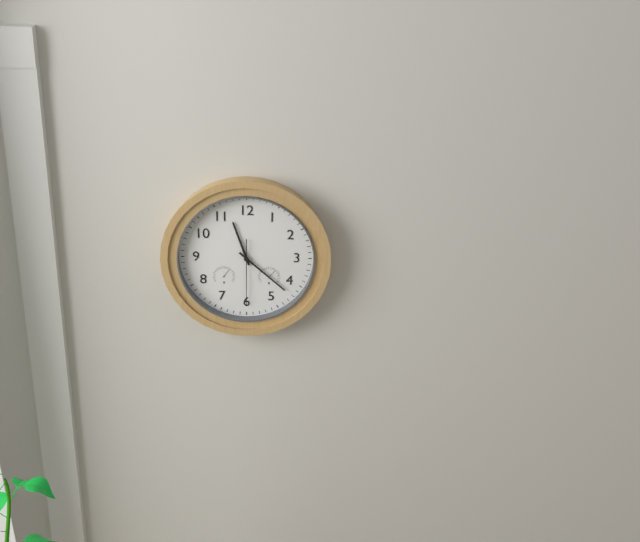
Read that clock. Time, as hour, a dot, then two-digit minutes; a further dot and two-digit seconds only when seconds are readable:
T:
11.22.30
